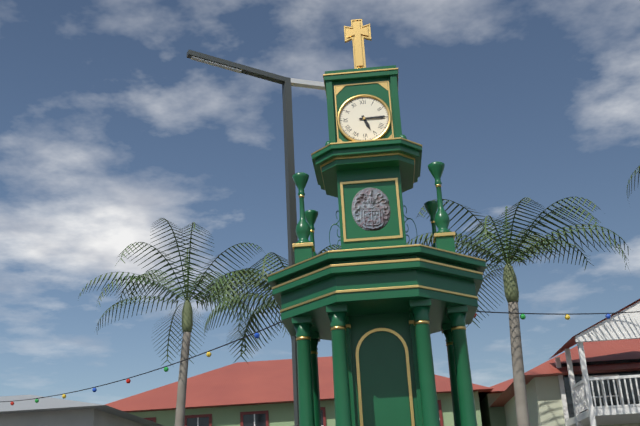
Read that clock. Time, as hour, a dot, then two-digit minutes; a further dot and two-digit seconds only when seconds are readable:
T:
5.15
